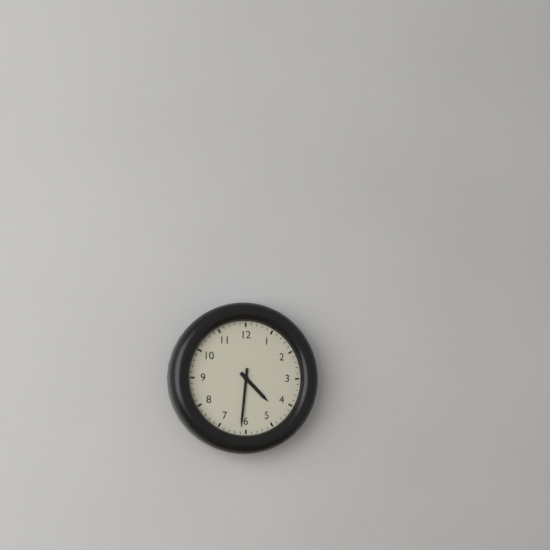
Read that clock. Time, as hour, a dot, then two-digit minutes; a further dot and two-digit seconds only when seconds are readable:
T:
4.31
